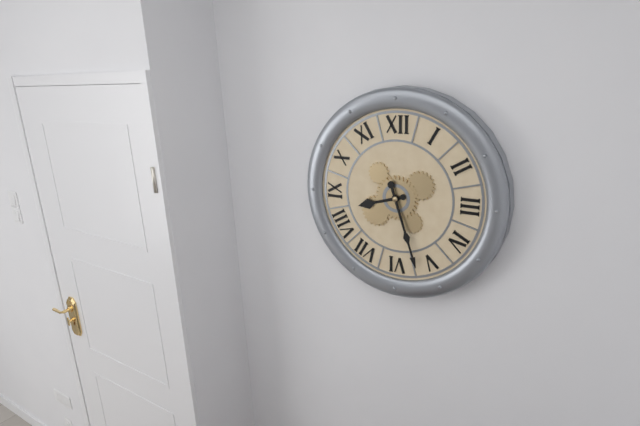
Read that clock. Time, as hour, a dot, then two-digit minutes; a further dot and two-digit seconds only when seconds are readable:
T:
8.27
